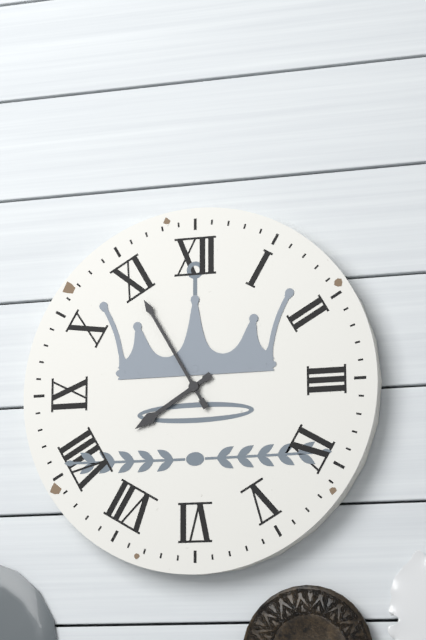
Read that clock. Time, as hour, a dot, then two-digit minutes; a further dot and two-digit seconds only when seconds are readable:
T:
7.55
